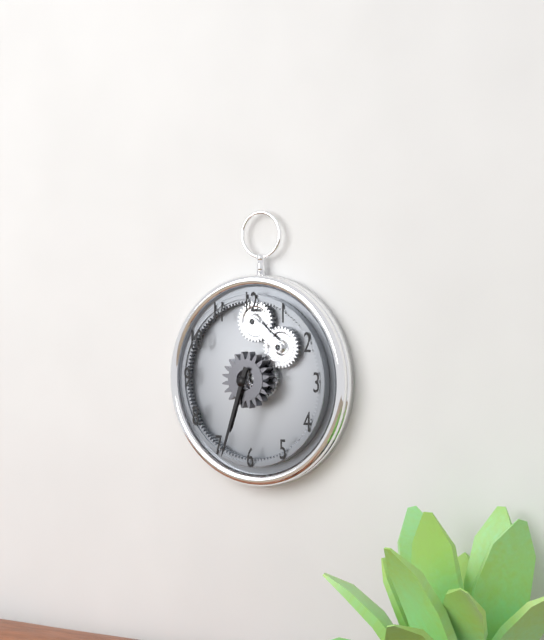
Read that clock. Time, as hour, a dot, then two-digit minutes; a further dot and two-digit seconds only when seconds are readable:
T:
6.33
